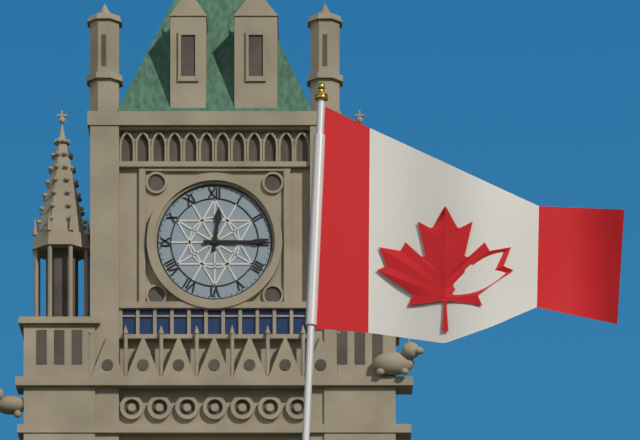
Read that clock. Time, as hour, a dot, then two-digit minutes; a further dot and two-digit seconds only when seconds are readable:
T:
12.15
